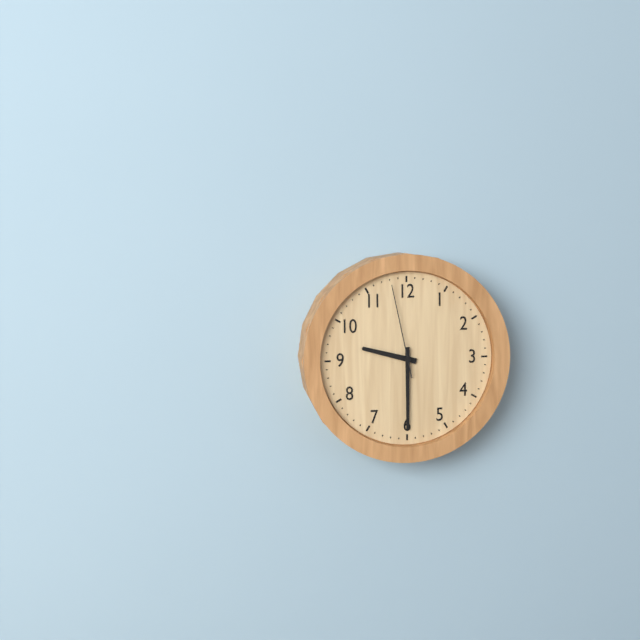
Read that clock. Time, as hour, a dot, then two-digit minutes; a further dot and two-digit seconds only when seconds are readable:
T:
9.30.58
